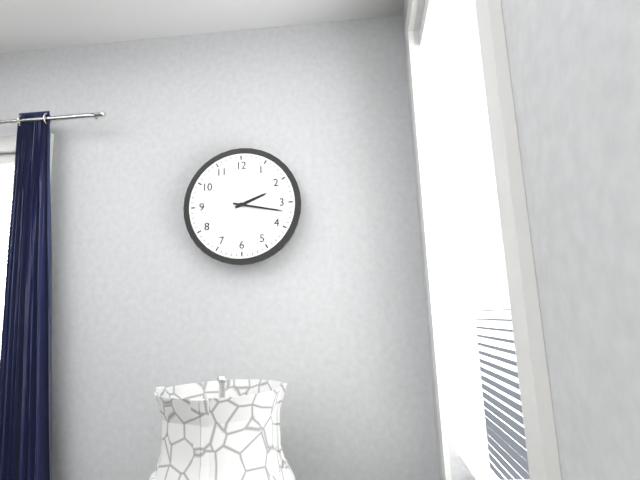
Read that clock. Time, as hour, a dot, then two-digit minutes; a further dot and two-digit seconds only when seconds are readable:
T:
2.17
